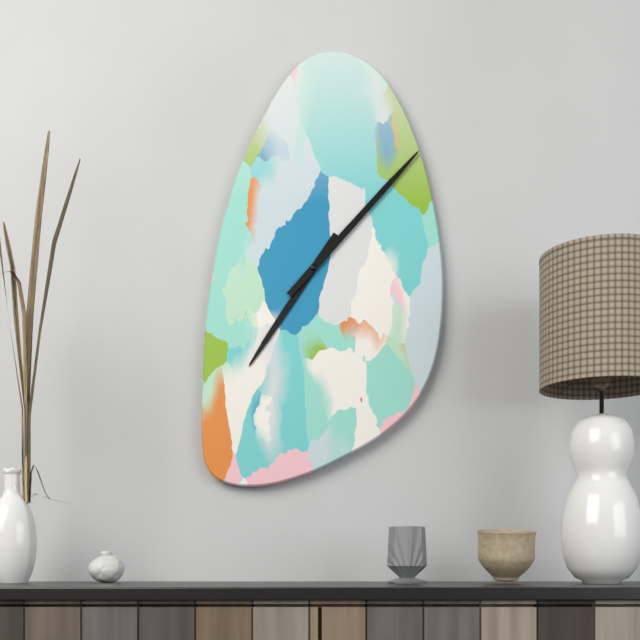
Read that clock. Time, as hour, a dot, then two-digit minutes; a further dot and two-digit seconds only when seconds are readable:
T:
7.07
